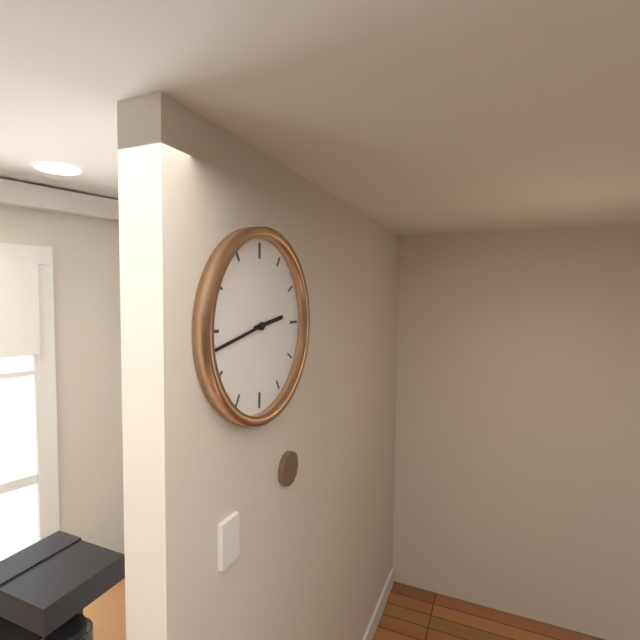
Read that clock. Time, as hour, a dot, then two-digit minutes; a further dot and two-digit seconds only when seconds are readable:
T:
2.43
